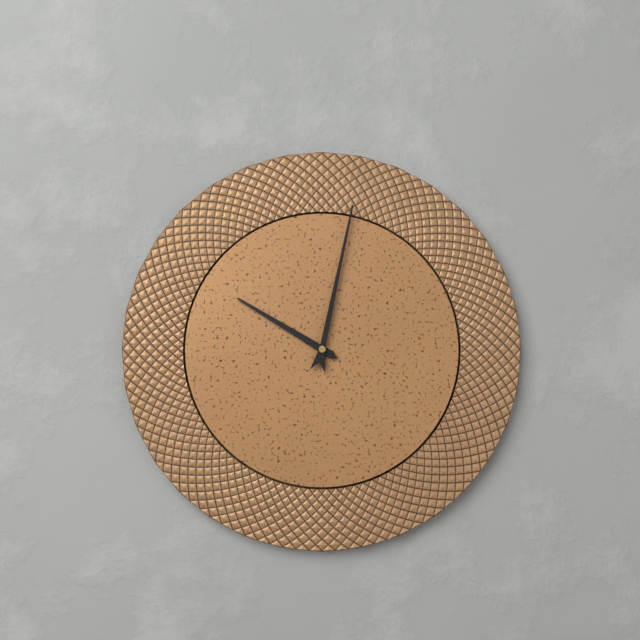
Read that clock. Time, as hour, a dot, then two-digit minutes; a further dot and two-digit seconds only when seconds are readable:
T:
10.02
